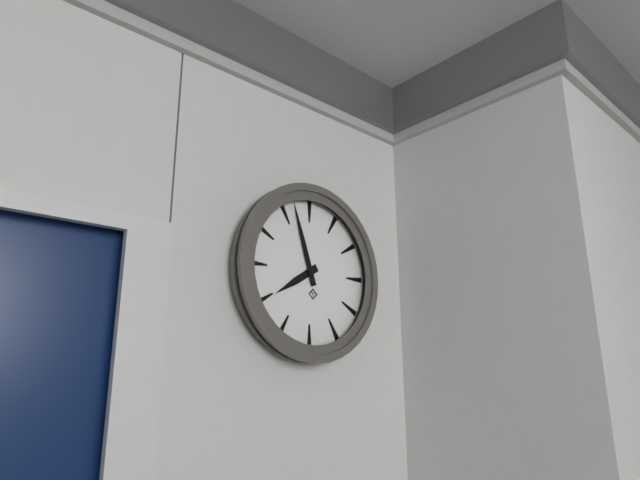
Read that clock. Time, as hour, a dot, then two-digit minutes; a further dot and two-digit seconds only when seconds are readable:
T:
7.57
